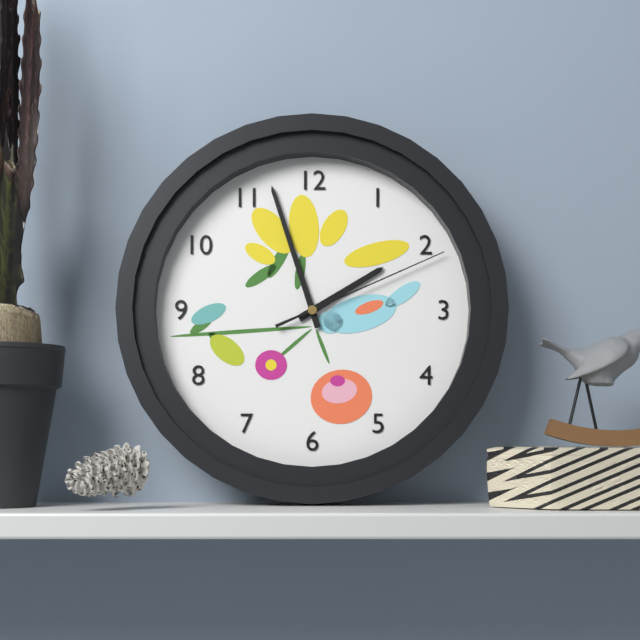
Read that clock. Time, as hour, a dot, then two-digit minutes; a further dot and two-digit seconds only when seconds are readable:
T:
1.57.11
